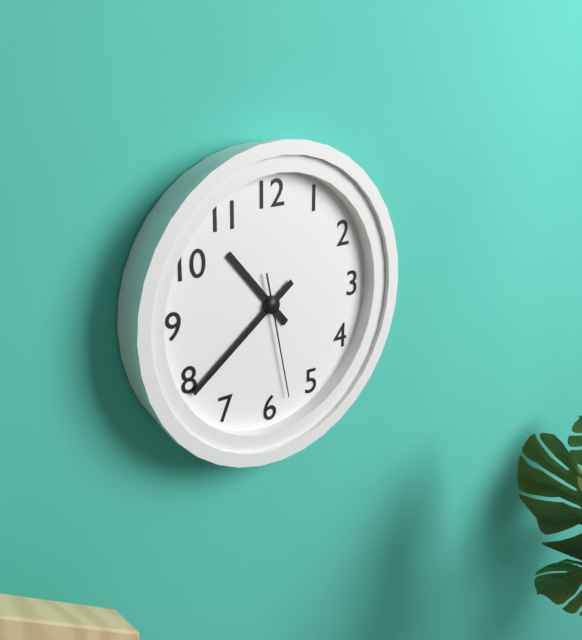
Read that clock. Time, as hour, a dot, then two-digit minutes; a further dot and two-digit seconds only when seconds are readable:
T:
10.39.28
